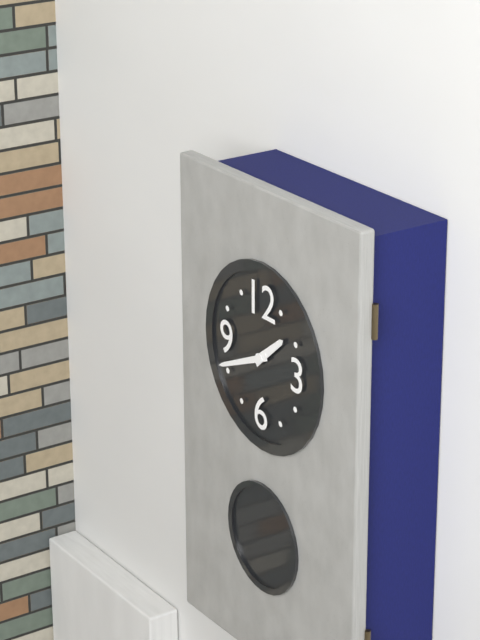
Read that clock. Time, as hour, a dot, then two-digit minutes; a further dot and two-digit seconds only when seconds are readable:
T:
1.41
